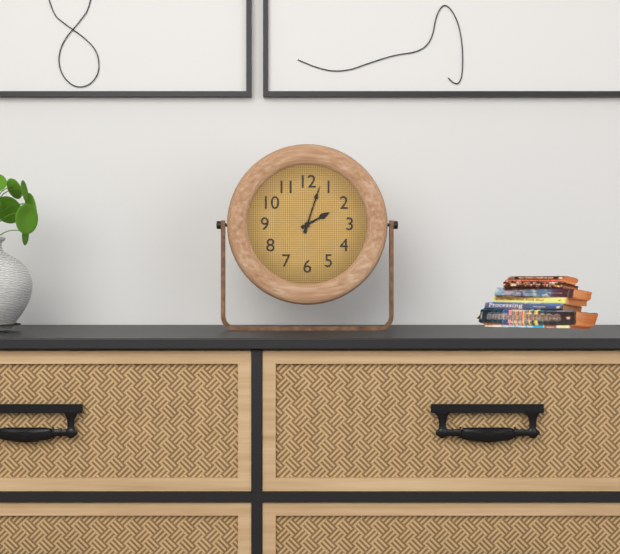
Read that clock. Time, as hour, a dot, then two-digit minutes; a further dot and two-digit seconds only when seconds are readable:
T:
2.03
